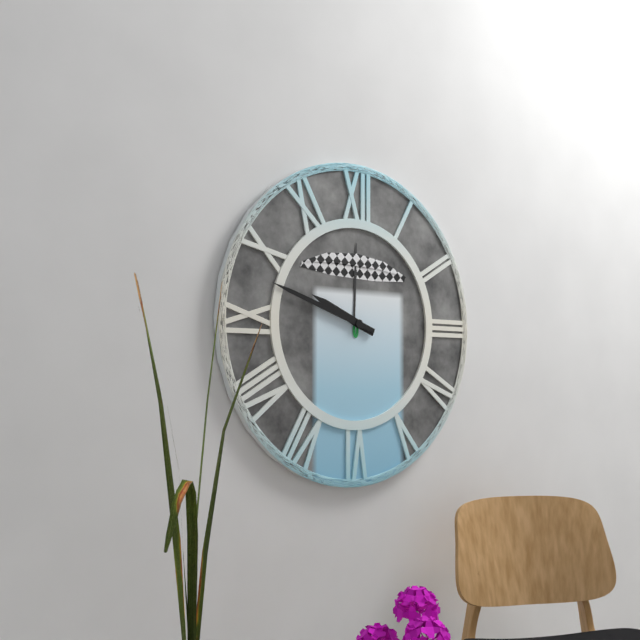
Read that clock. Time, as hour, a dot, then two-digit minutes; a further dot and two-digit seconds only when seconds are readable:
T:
9.48
